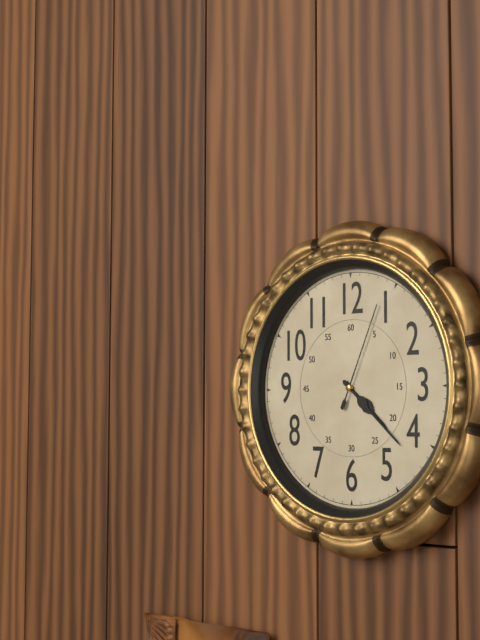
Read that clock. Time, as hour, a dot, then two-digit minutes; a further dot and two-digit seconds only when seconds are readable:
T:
4.22.04
